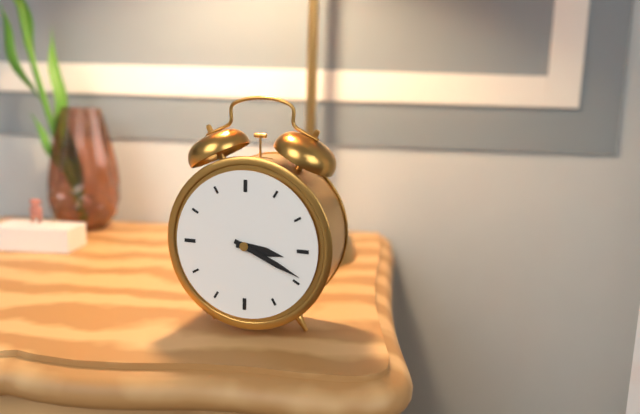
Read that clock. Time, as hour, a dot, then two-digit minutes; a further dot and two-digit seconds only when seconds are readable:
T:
3.19
